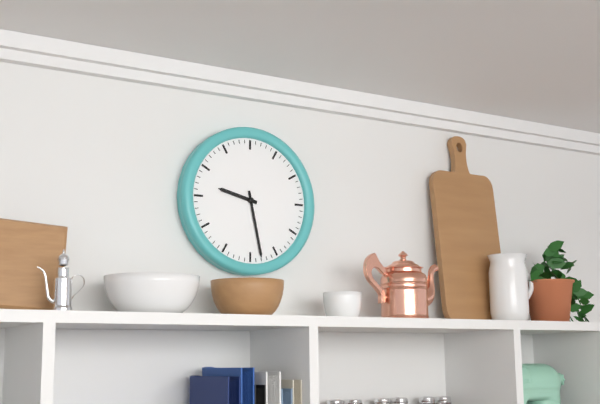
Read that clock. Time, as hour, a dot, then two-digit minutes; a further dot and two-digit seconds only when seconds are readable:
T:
9.28
